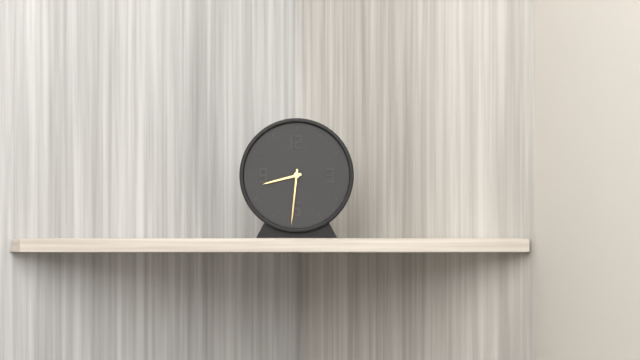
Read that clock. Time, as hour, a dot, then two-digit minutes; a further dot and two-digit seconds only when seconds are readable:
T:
8.31
